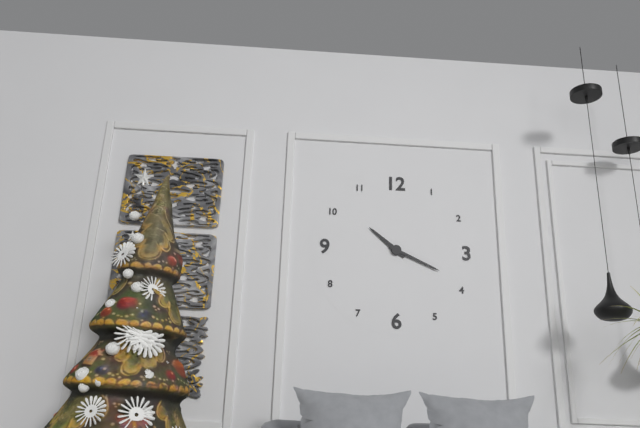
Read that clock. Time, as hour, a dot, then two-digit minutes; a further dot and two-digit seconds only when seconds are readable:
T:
10.19
